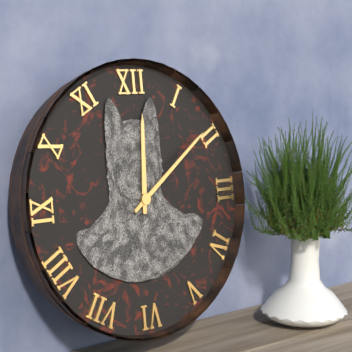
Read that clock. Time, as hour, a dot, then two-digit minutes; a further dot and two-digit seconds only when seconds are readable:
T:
12.09
